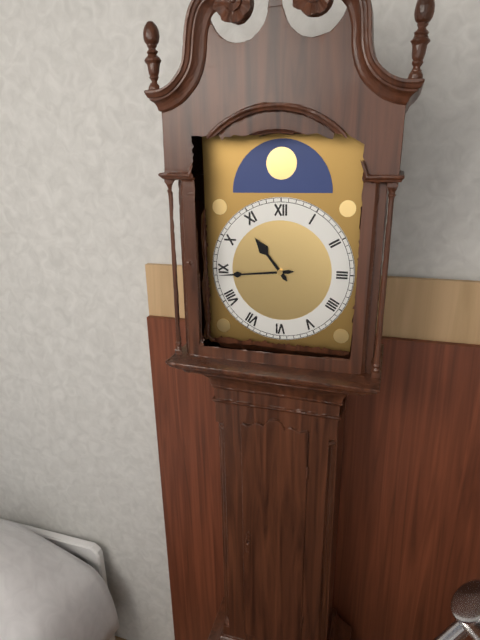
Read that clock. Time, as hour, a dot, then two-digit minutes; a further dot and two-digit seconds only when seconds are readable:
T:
10.44
